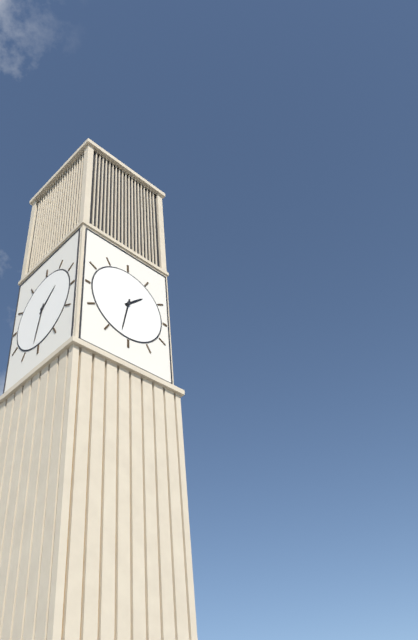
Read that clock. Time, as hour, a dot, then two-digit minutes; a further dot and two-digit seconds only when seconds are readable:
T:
1.32
